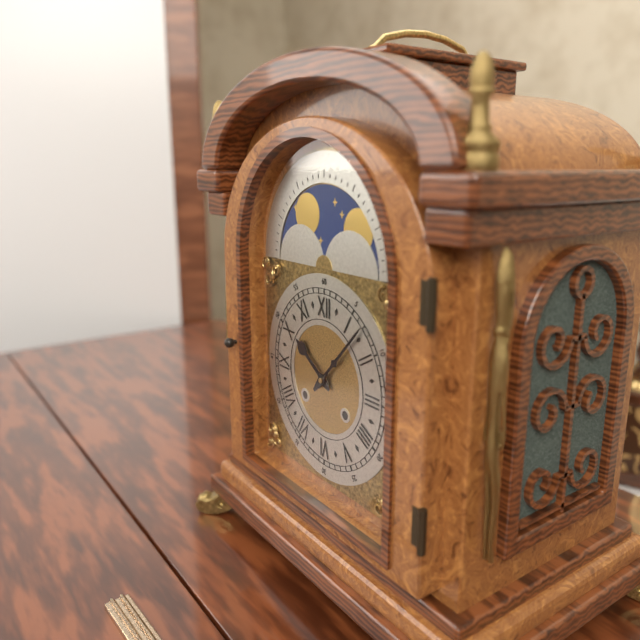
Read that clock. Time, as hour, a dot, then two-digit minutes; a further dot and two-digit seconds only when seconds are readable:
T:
10.07
